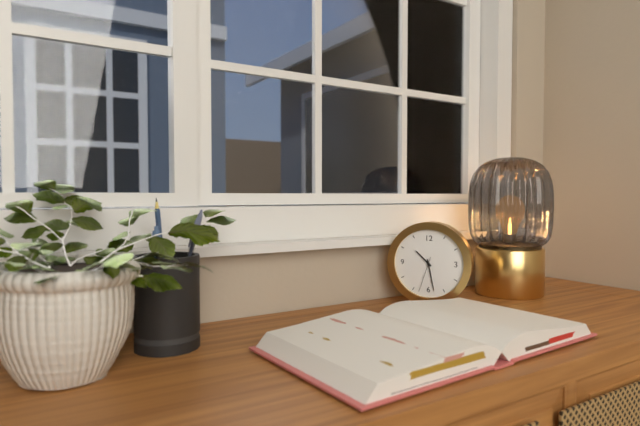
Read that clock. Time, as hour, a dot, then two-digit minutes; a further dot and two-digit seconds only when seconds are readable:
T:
10.28
